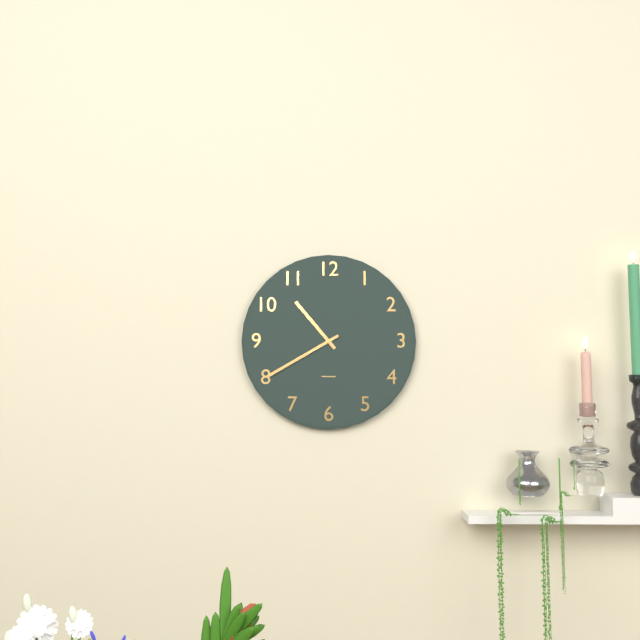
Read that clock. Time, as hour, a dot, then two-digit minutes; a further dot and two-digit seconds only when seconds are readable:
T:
10.40
